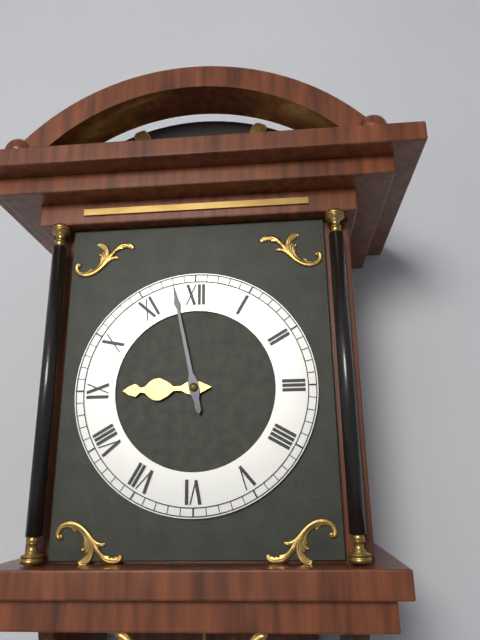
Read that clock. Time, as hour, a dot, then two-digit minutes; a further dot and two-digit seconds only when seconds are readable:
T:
8.58
